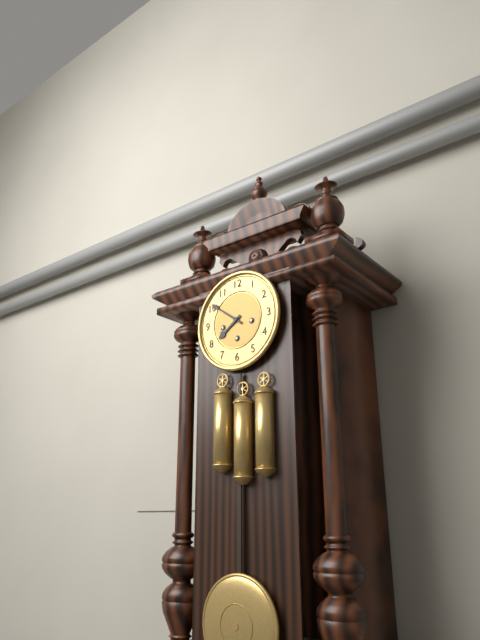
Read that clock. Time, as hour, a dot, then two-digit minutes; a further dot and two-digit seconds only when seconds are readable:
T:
7.51
